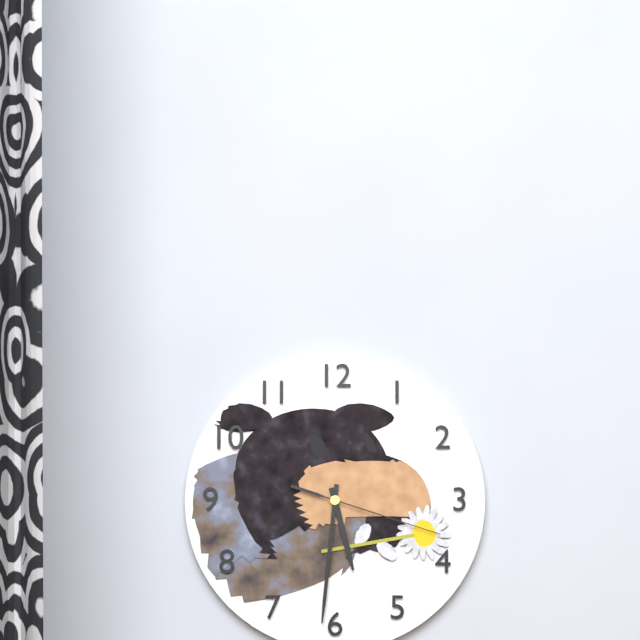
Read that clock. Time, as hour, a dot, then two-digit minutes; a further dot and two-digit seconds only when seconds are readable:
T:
5.31.18
